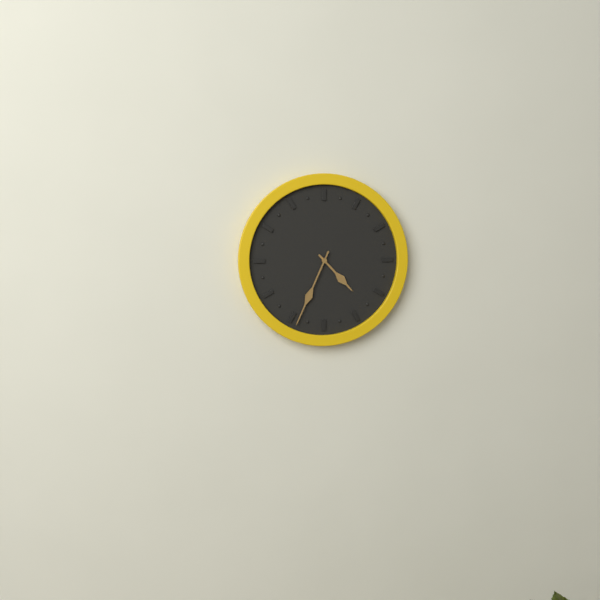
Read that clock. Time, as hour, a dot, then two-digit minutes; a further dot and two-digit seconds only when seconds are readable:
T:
4.34
